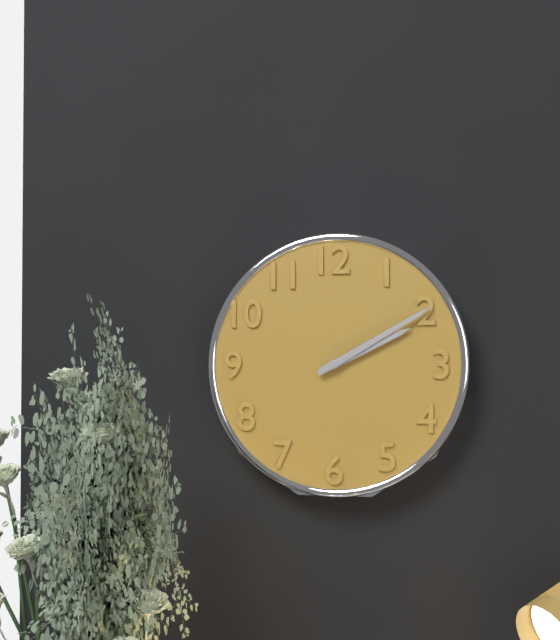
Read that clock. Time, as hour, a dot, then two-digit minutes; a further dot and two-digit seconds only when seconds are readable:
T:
2.10
